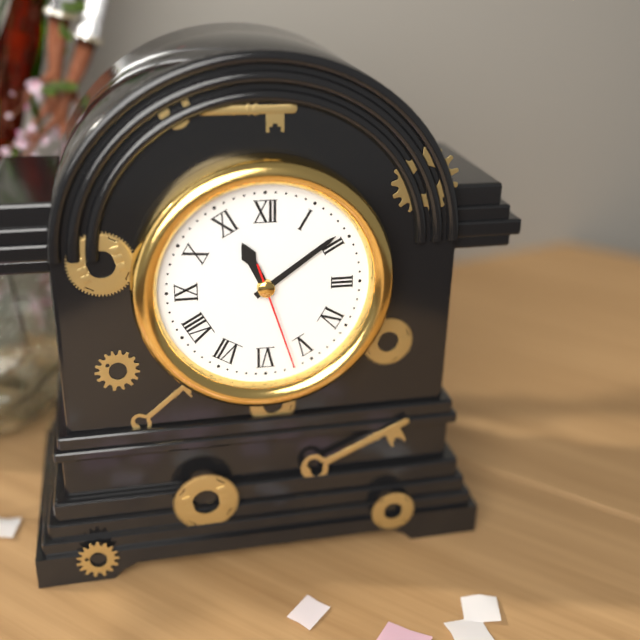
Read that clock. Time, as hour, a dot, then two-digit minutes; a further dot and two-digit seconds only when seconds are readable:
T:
11.09.27
